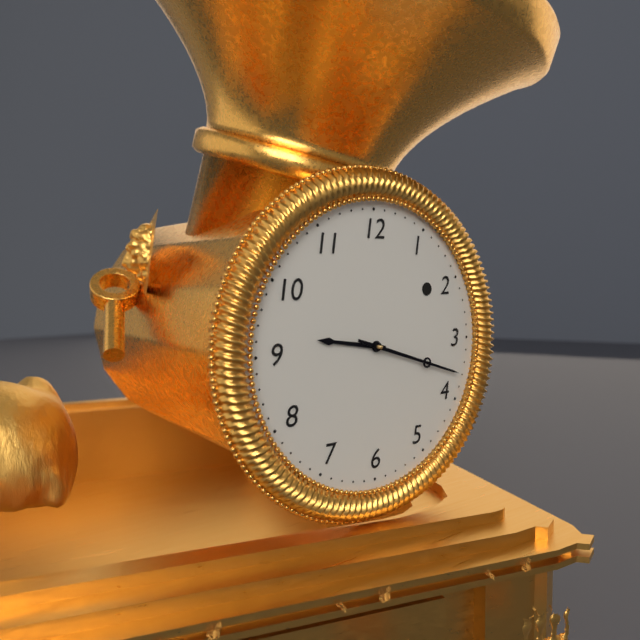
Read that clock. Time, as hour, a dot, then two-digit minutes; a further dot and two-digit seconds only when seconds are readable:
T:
9.18
